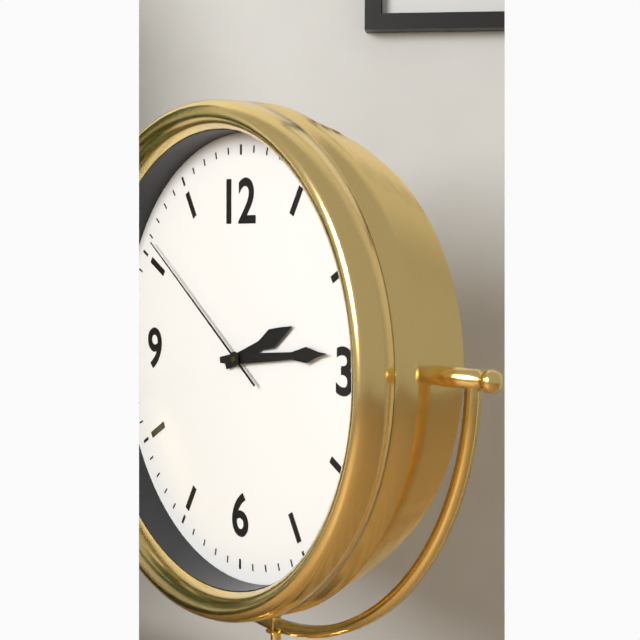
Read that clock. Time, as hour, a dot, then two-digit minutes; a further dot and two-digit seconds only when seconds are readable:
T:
2.14.51
